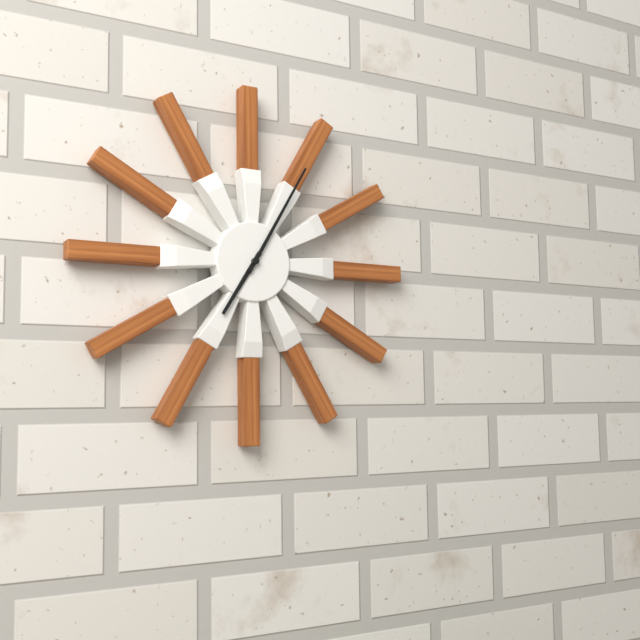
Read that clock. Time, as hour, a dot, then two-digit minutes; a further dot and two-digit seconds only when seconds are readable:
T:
7.05
